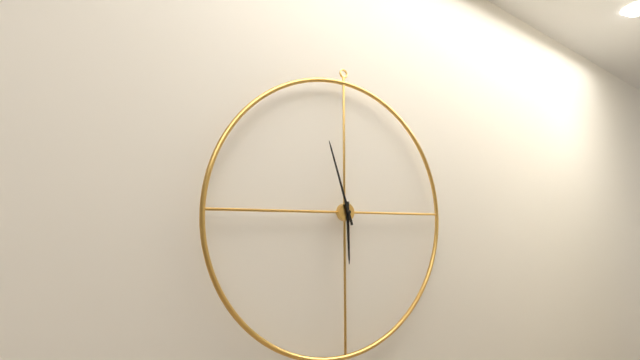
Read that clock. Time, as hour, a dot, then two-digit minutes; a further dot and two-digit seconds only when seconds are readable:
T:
5.57
